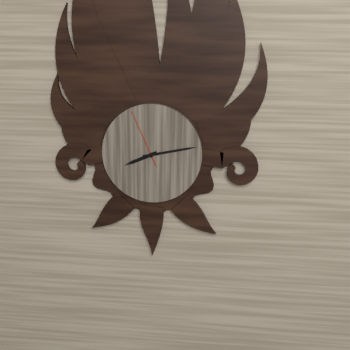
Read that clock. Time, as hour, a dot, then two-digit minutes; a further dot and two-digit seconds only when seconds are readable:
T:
8.13.56
